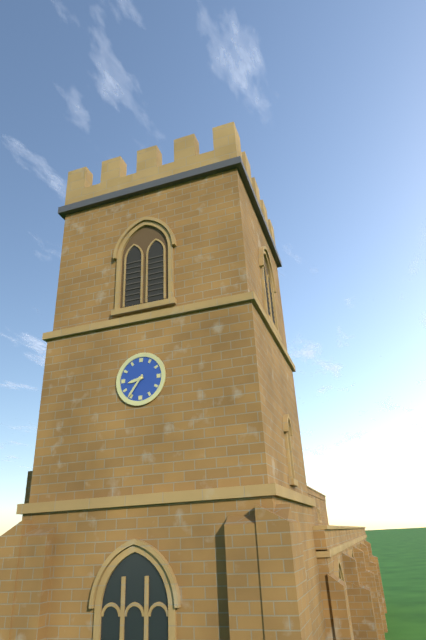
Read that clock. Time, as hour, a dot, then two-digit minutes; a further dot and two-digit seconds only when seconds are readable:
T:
8.36
